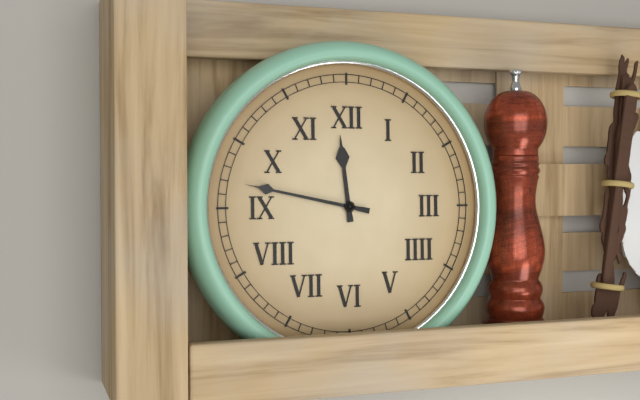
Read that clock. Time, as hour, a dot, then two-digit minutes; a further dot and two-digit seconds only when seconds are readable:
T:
11.47
